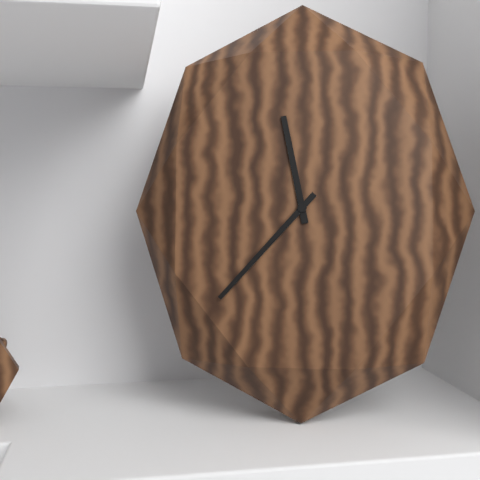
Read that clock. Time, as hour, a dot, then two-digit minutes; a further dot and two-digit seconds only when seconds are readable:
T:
11.37
